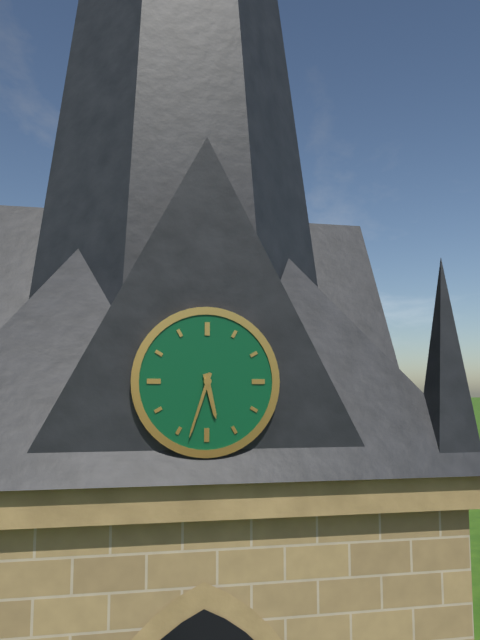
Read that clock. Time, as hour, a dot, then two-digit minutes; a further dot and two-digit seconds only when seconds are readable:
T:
5.33
